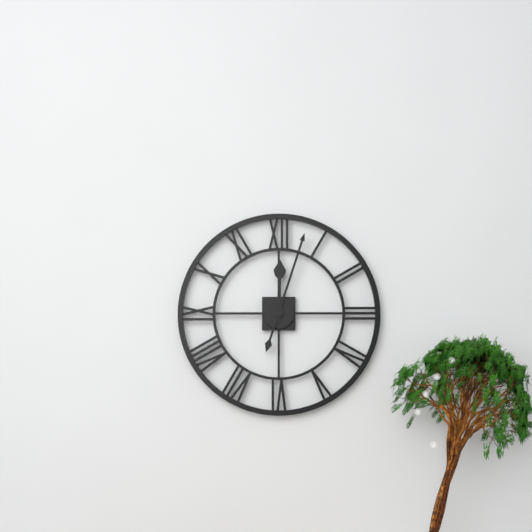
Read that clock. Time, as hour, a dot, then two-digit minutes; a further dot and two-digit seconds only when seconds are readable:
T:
12.03
